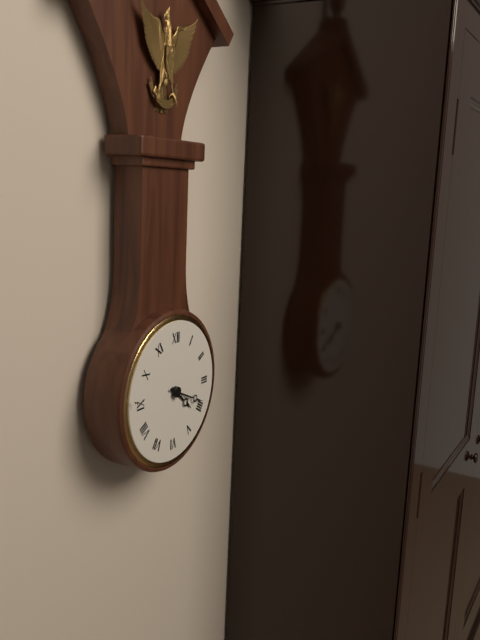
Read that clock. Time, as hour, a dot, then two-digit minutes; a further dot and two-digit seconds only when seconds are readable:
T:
4.19
